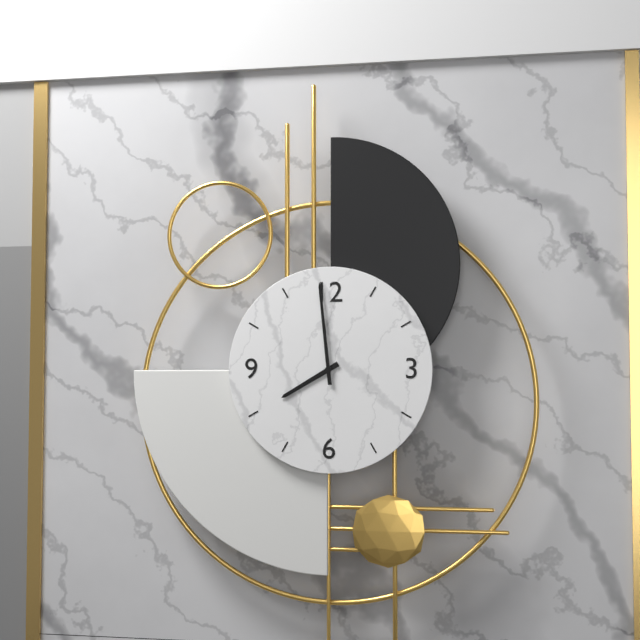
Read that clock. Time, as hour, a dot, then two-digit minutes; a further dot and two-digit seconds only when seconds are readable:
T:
7.59
